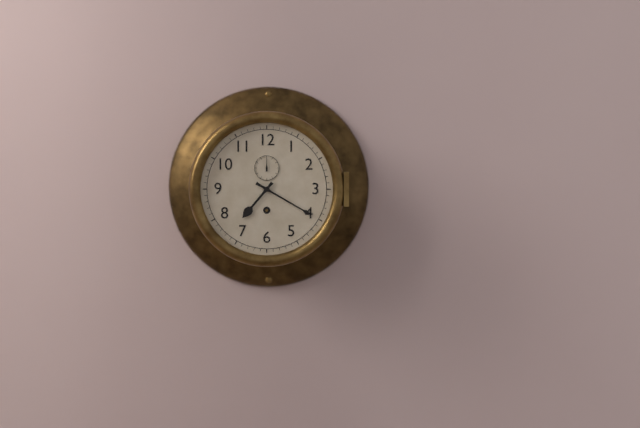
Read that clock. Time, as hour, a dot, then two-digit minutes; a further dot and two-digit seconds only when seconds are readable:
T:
7.20
